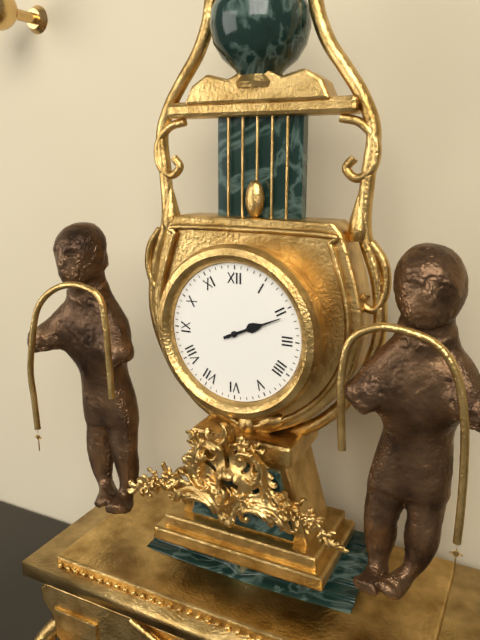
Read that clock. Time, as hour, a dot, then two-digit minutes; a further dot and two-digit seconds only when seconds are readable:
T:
2.11
